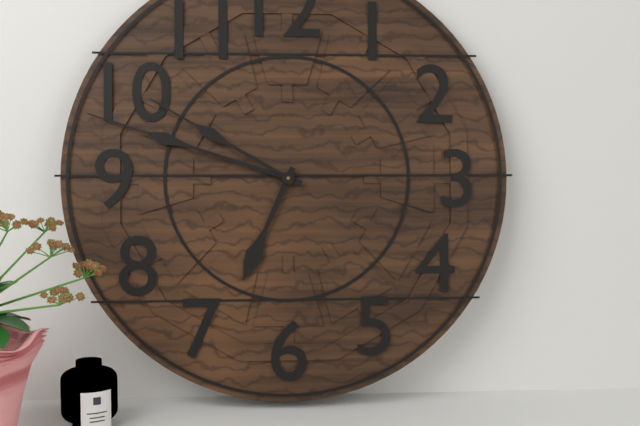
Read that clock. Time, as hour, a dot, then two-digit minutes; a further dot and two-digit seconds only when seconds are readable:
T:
6.48.50
